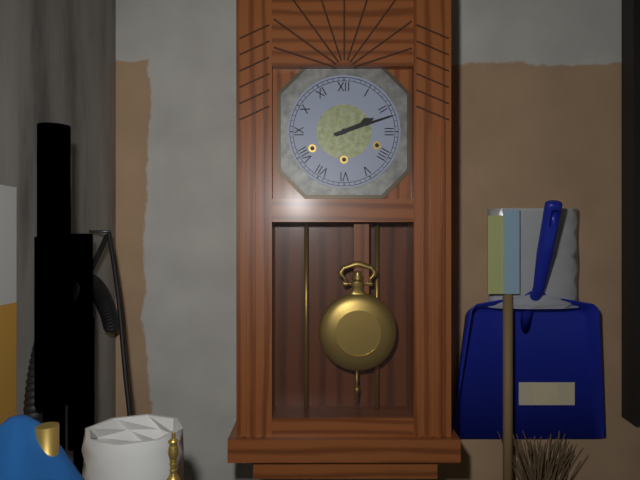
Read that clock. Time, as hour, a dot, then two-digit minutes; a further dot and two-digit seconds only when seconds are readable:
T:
2.12
